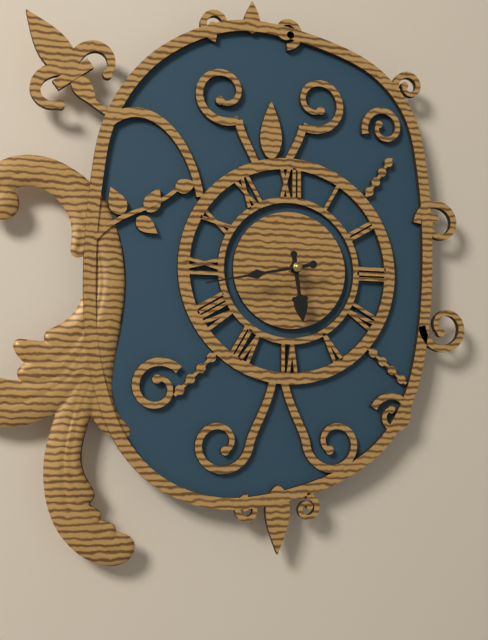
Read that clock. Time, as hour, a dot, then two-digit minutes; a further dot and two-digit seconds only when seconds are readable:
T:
5.43
